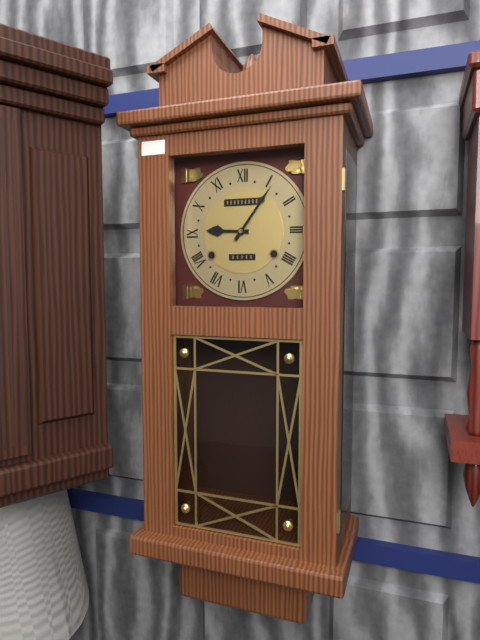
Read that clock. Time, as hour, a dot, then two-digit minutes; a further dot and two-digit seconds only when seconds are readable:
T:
9.06
